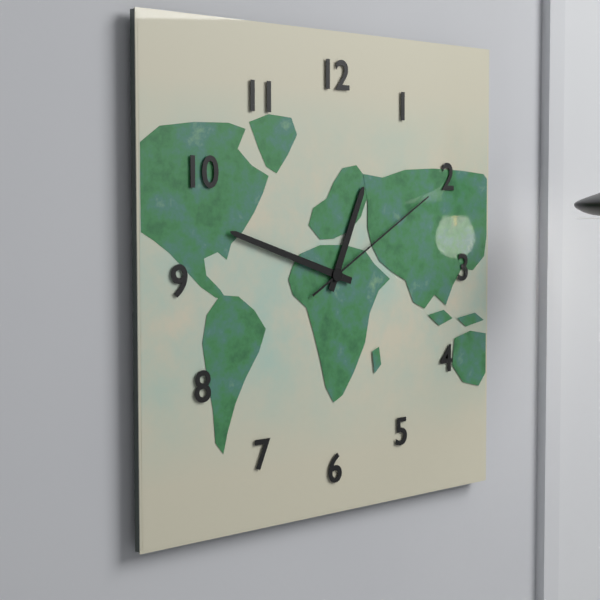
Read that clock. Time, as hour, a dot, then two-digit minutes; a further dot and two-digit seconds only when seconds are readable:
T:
12.48.10
